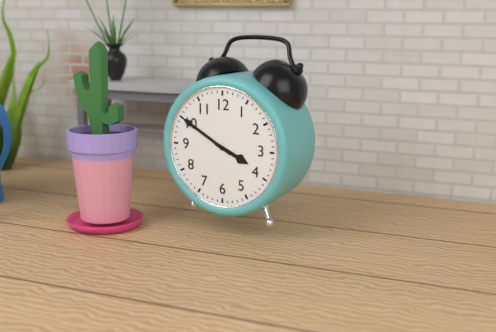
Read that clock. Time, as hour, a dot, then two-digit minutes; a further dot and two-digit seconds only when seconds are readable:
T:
3.50
